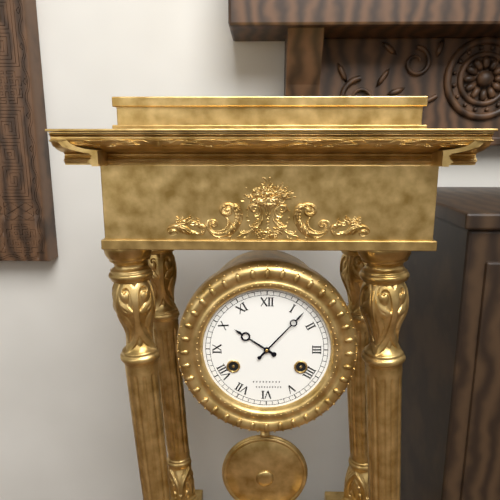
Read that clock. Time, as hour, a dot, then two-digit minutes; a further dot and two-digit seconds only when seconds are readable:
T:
10.07
